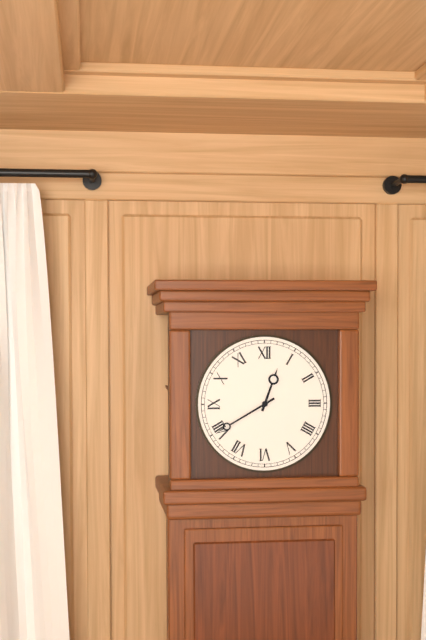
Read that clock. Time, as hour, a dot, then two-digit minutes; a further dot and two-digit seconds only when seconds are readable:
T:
12.40
